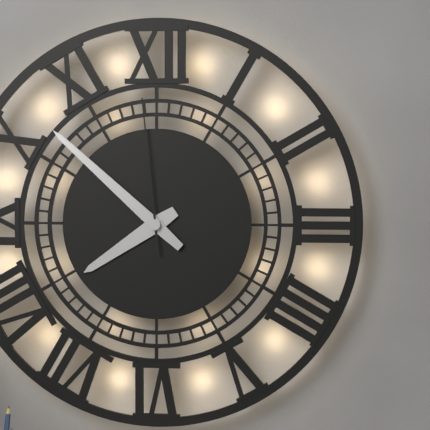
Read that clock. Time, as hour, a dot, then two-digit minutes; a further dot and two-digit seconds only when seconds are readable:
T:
7.52.59
